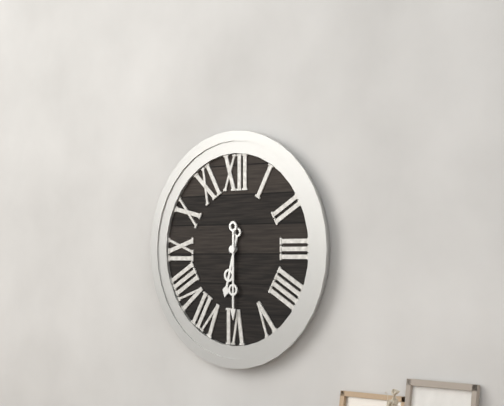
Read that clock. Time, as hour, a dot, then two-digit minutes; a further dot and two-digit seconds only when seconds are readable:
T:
6.30
